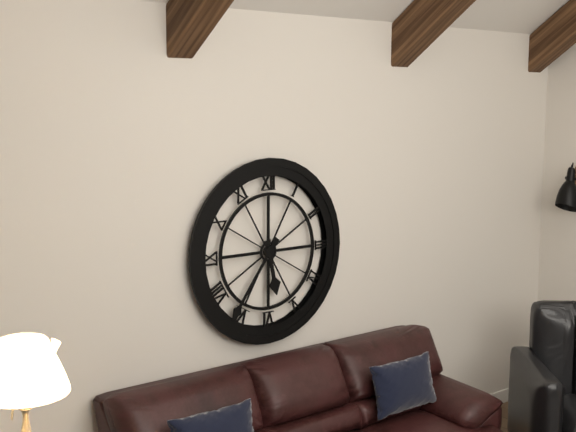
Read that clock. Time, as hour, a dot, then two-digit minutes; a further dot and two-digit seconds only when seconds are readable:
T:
5.36
